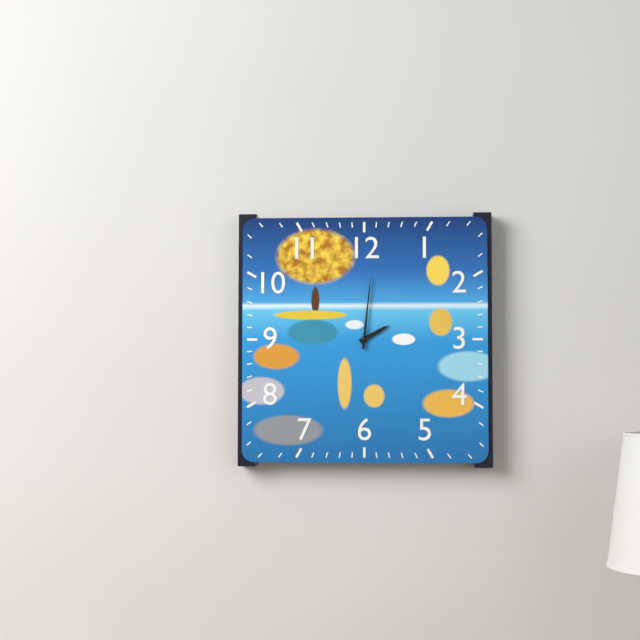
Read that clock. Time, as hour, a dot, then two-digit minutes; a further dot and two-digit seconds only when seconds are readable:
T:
2.01
